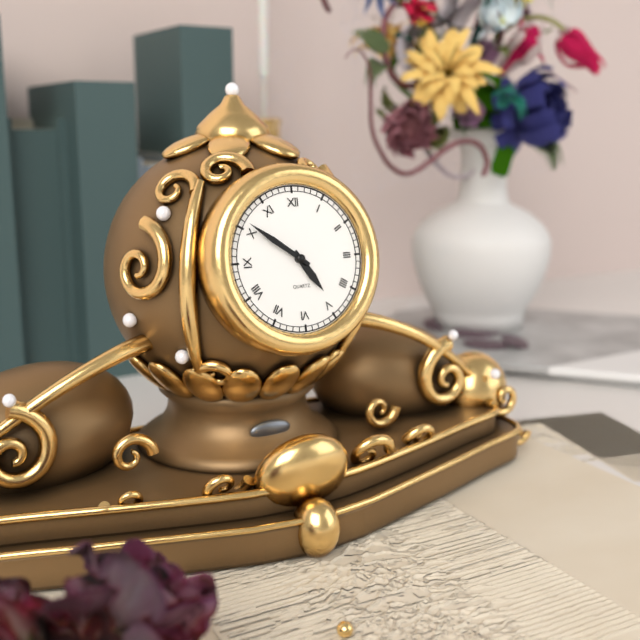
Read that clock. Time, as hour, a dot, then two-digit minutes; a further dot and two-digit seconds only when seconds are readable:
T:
4.51
